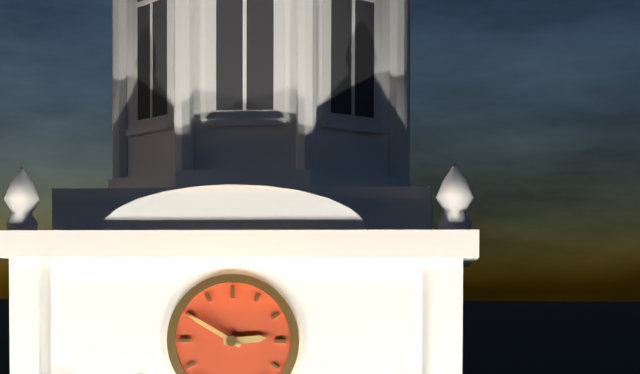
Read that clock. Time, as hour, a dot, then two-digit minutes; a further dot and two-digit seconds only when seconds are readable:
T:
2.50
